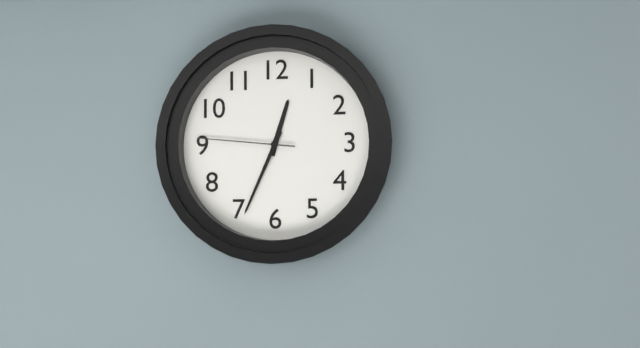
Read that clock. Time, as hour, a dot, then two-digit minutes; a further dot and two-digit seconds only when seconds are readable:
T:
12.34.46
